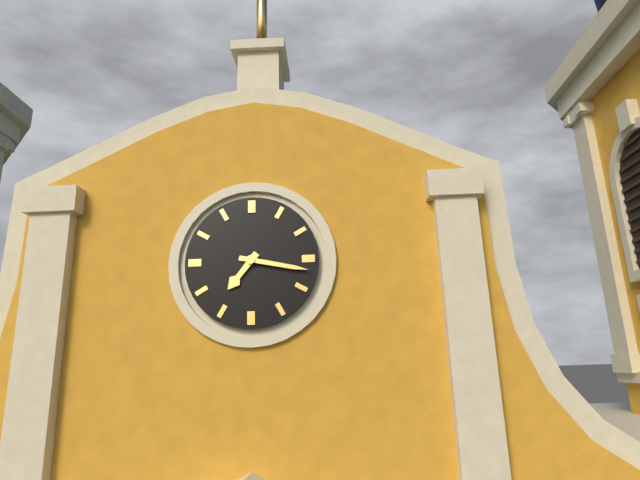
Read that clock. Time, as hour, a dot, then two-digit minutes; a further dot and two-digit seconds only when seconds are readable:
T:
7.17
